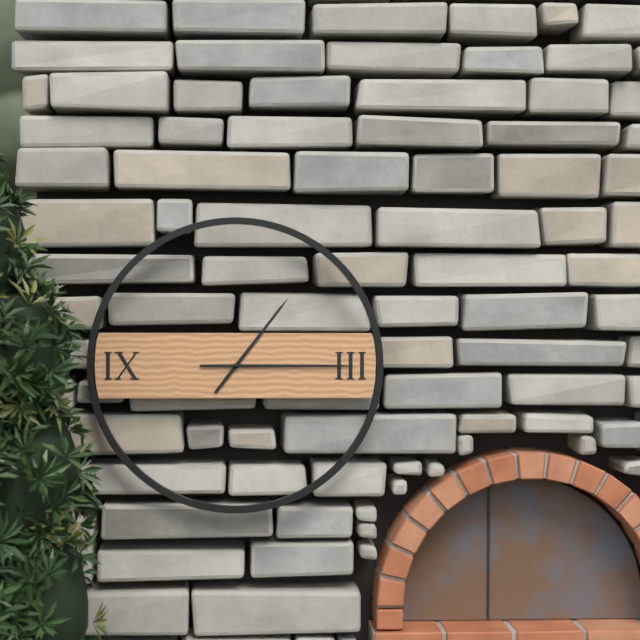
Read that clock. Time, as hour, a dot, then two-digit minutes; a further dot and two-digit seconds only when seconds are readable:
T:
1.15
